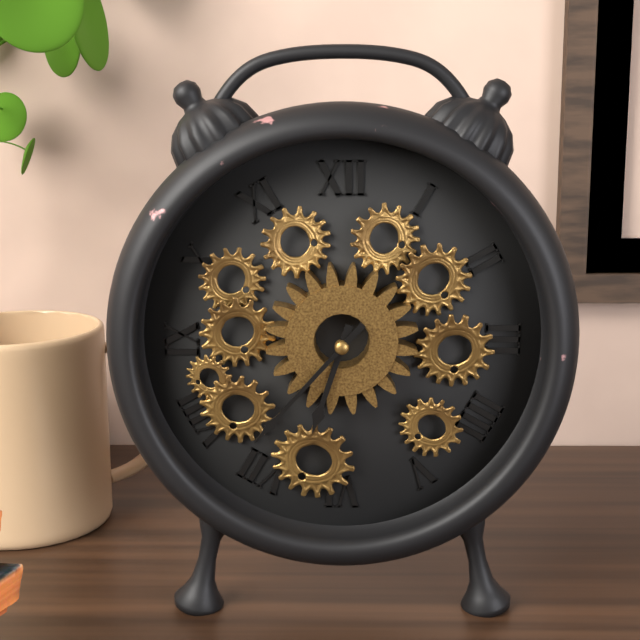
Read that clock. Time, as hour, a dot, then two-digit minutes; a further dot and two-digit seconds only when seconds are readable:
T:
6.37
